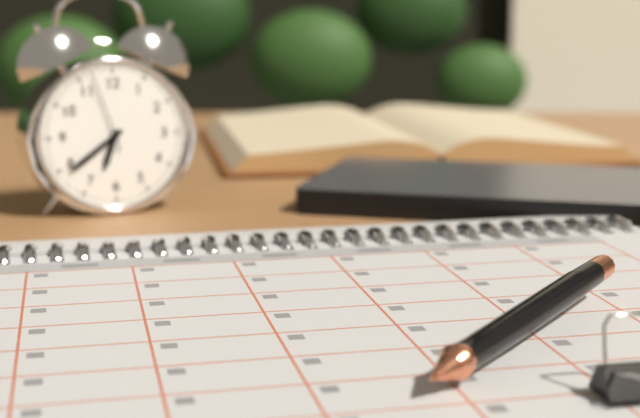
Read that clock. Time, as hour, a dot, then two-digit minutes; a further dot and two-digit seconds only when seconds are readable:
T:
6.39.57
